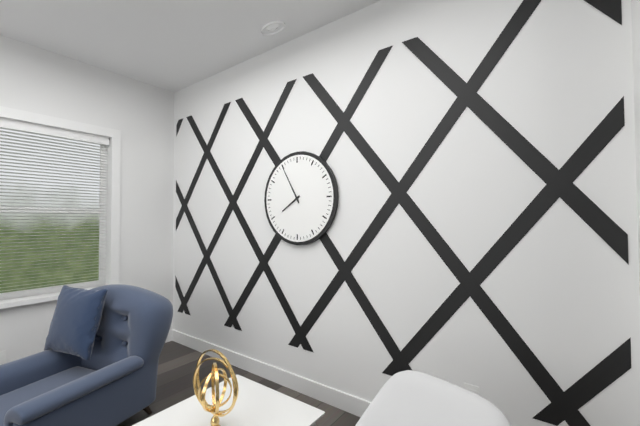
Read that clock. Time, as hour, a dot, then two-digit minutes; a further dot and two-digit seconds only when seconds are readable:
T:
7.55
